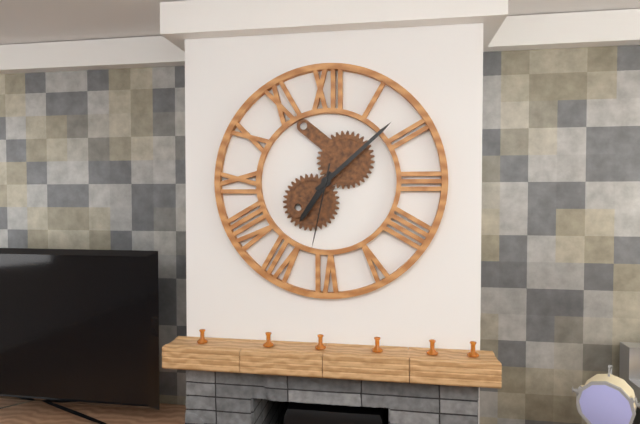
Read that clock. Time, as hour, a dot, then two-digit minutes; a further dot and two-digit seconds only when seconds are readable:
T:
7.08.32
